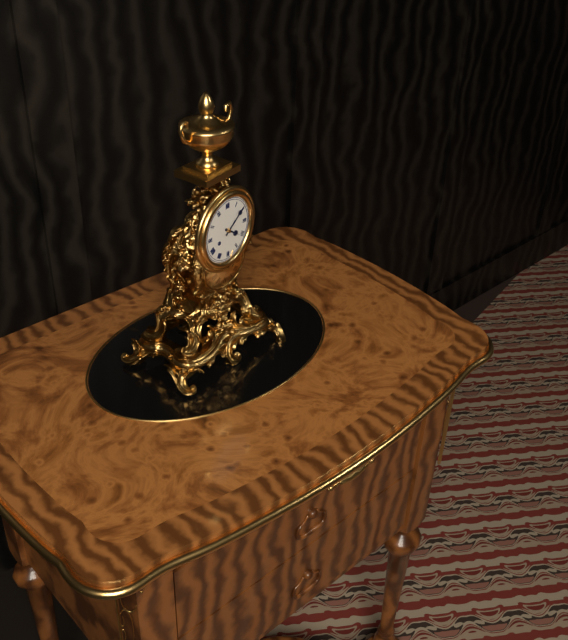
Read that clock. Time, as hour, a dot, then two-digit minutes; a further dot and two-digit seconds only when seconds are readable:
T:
4.09
